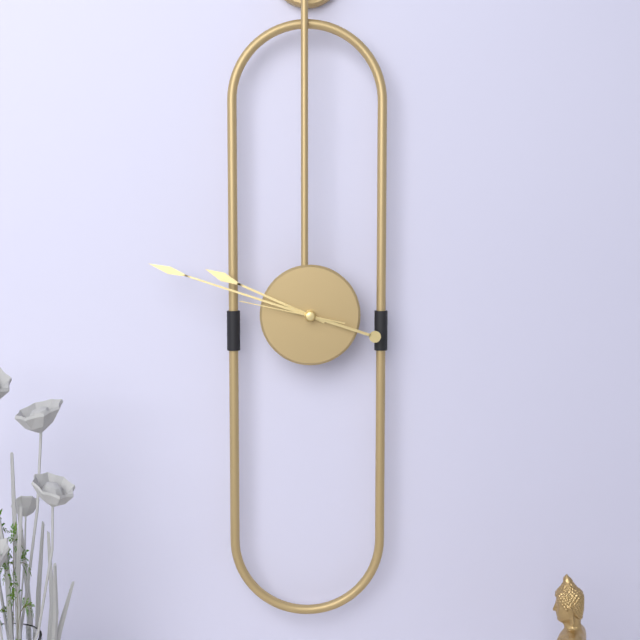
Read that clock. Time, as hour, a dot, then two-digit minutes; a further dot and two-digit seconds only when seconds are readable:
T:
9.48.47
